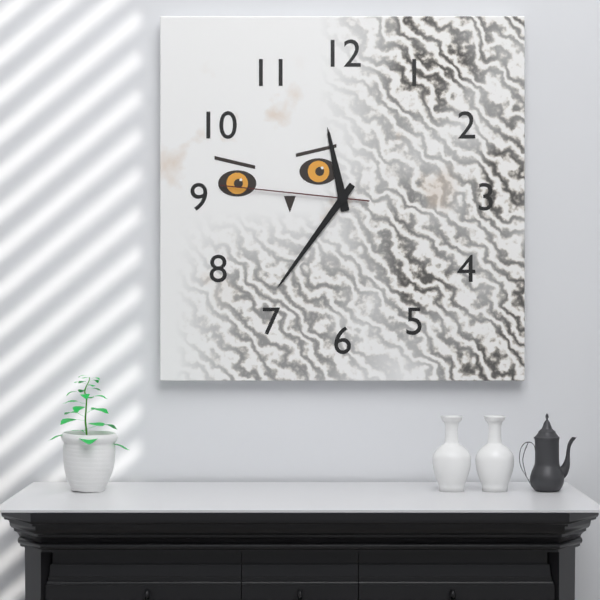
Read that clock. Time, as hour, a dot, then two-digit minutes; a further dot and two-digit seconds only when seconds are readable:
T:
11.36.46
